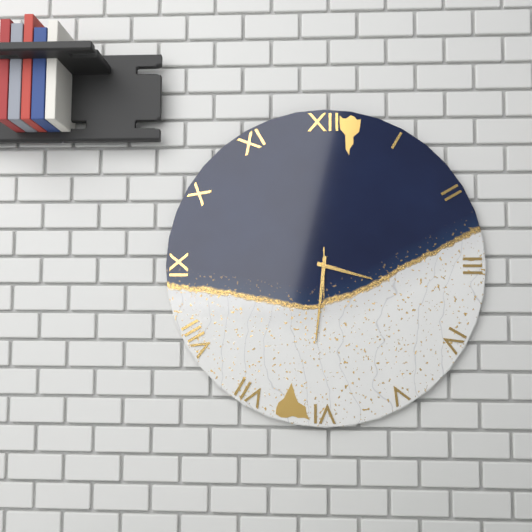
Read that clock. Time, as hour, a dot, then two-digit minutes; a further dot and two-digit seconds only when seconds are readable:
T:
3.31.30
